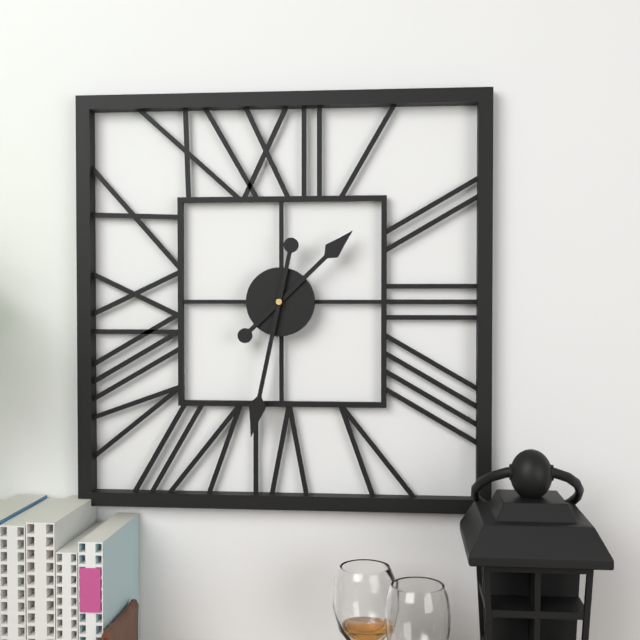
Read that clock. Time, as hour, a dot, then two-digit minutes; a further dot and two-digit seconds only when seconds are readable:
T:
1.32
